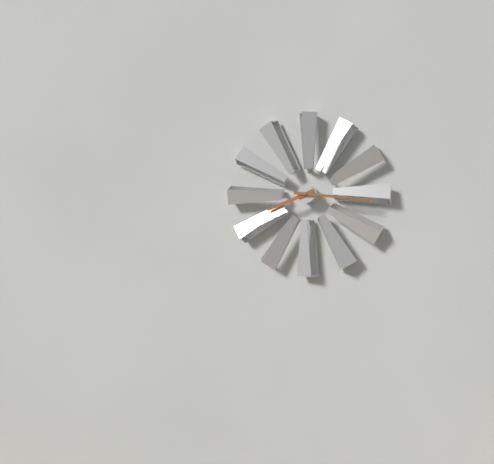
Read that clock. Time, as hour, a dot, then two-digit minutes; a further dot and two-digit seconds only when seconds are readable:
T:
8.16
